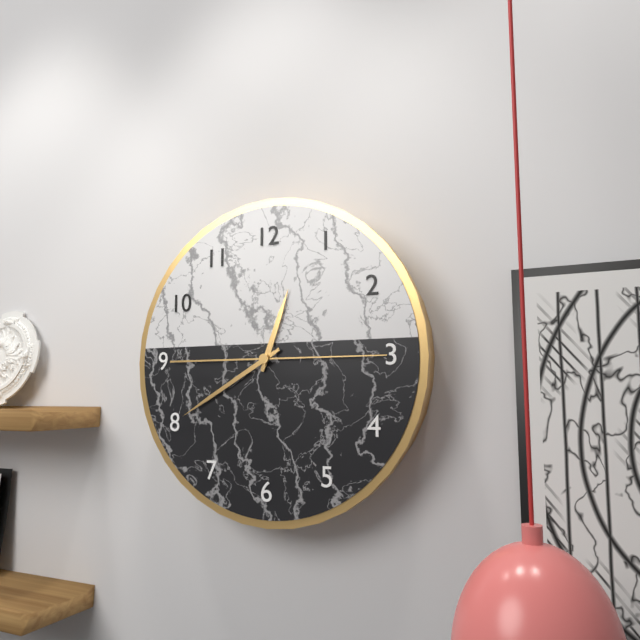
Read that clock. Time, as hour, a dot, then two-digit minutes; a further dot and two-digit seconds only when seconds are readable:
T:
12.40.15
